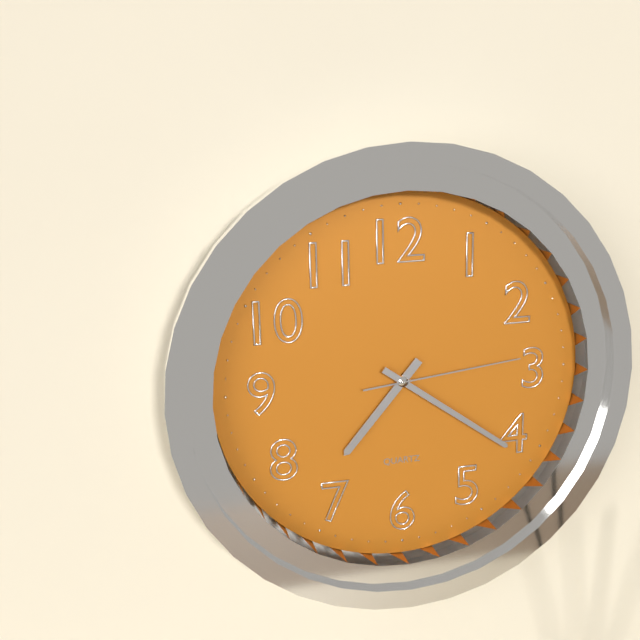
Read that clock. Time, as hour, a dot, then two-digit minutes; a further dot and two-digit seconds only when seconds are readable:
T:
7.21.14
